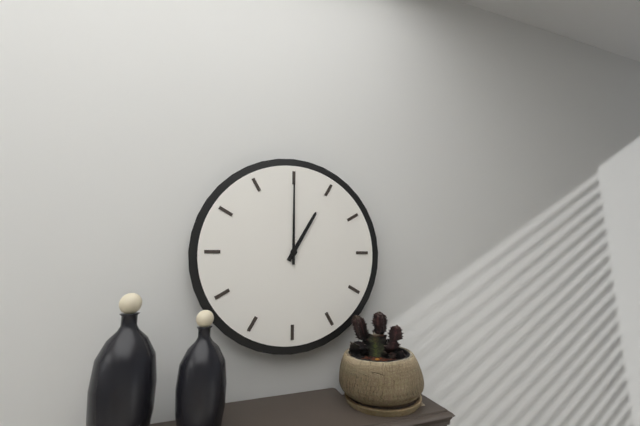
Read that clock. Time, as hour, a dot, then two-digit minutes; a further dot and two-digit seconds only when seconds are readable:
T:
1.00
